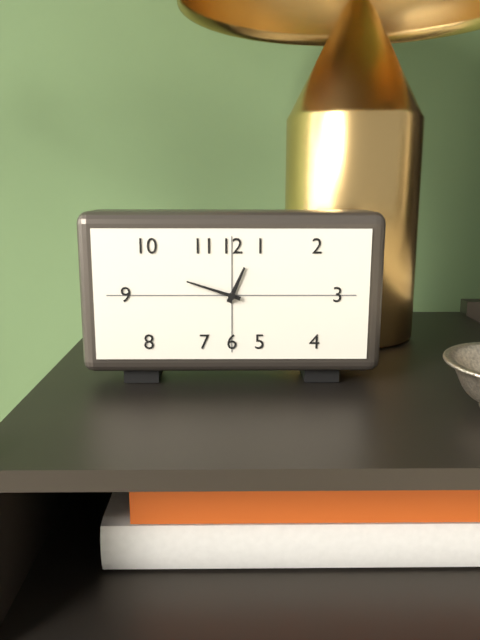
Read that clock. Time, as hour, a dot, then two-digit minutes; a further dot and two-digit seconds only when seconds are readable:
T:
12.48
